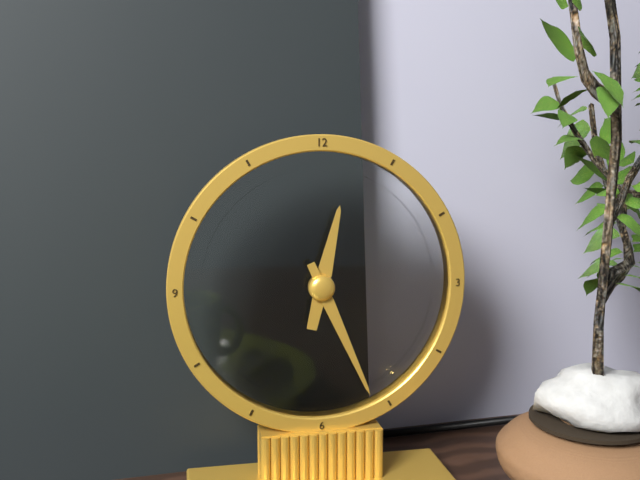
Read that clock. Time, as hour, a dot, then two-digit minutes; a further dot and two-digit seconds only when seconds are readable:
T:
12.26
